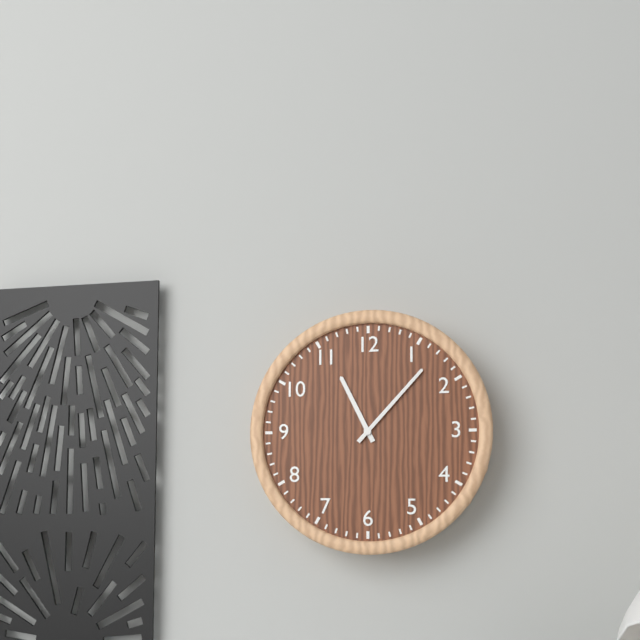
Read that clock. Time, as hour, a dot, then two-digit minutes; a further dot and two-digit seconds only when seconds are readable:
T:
11.07
